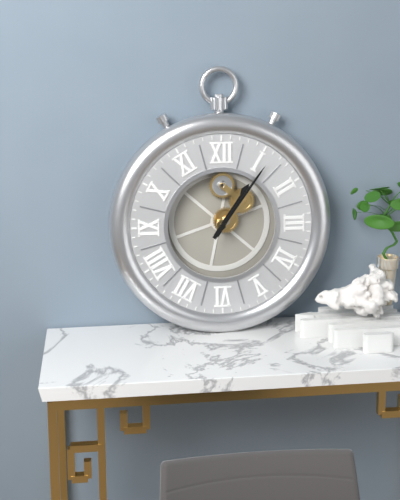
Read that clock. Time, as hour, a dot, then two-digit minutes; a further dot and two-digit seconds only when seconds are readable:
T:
1.06
